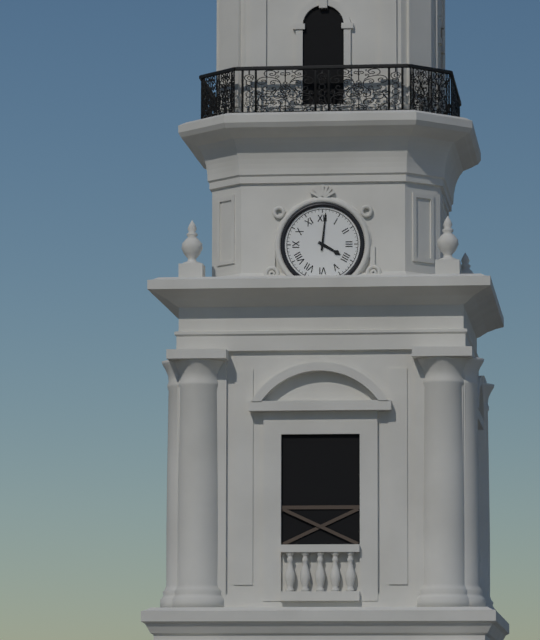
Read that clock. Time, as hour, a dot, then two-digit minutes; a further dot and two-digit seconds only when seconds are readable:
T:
4.01
